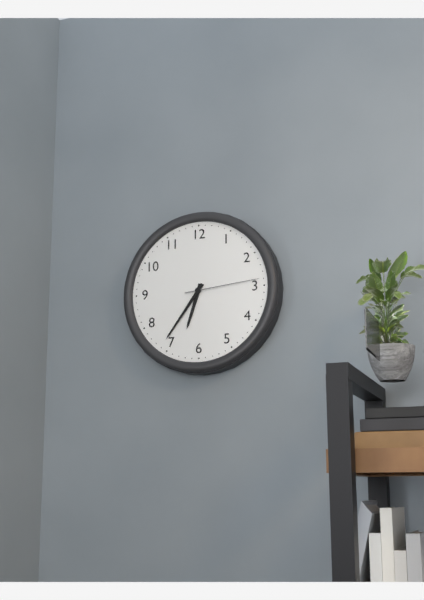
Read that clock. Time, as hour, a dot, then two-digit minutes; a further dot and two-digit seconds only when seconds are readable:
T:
6.36.14
